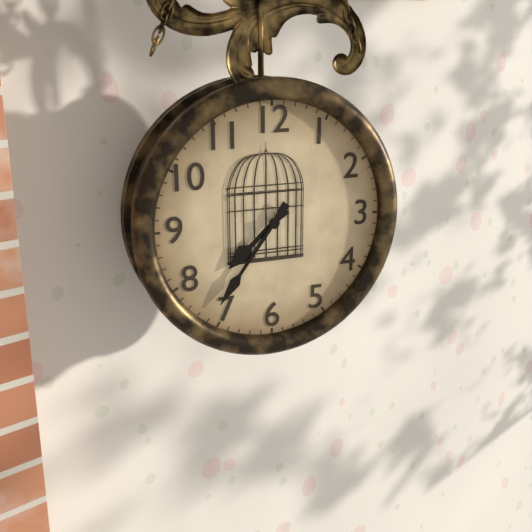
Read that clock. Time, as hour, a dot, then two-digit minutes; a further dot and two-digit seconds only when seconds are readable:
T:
7.36
